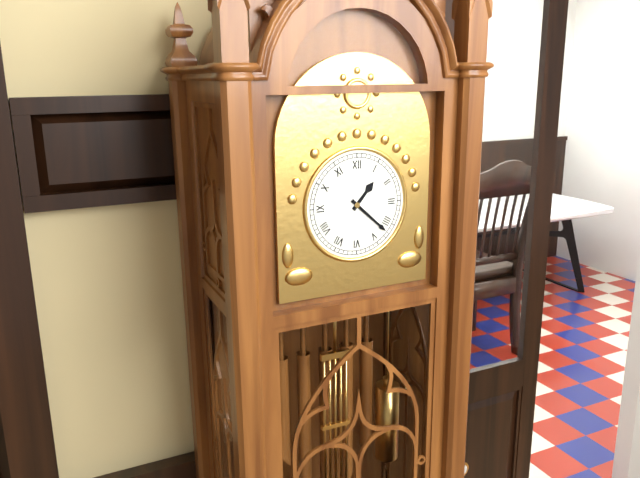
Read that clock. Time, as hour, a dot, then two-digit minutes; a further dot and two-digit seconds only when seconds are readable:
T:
1.22
